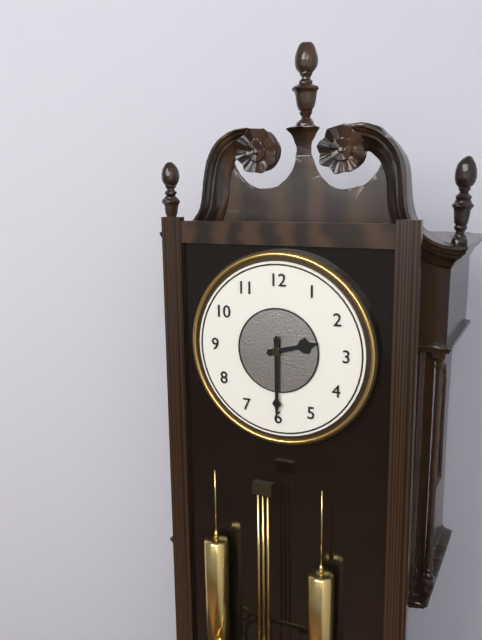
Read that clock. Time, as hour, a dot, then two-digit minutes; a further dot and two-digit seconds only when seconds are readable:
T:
2.30
